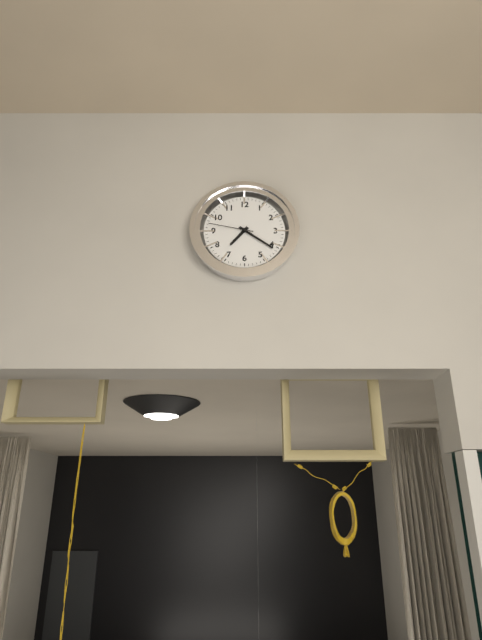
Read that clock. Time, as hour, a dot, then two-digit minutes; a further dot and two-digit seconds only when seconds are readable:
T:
7.21
